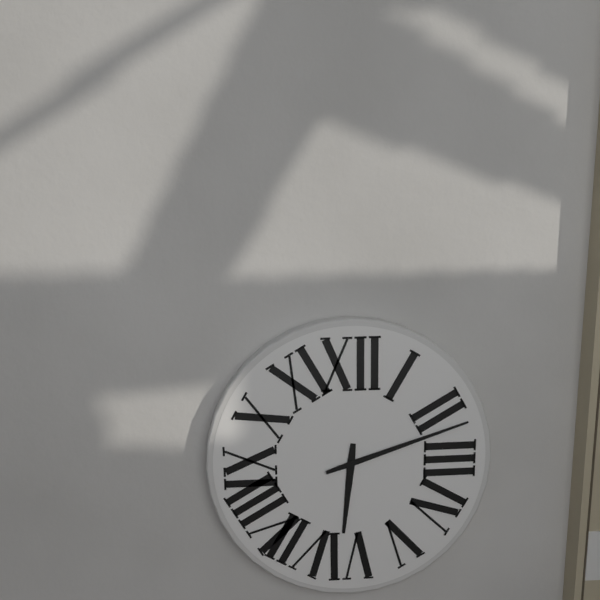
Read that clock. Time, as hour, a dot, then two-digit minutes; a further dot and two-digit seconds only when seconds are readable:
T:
6.12
